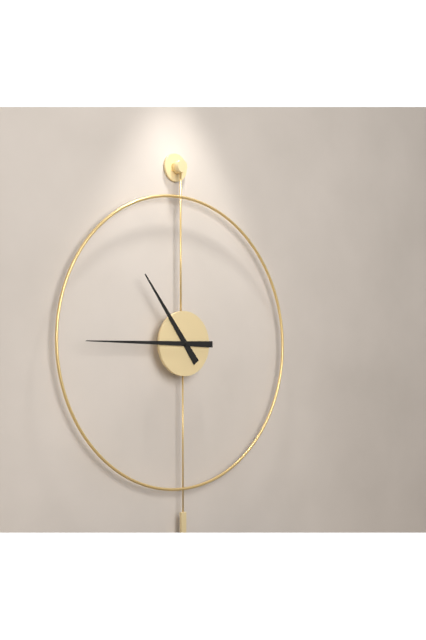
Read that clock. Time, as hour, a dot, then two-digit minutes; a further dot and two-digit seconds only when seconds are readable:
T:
10.45
